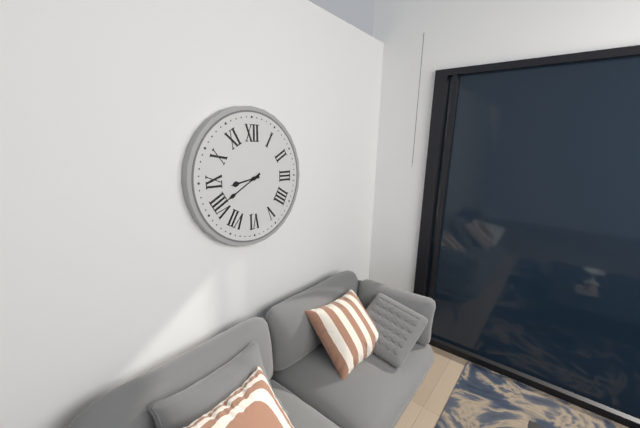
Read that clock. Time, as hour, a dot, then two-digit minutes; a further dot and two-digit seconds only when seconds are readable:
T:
8.40
